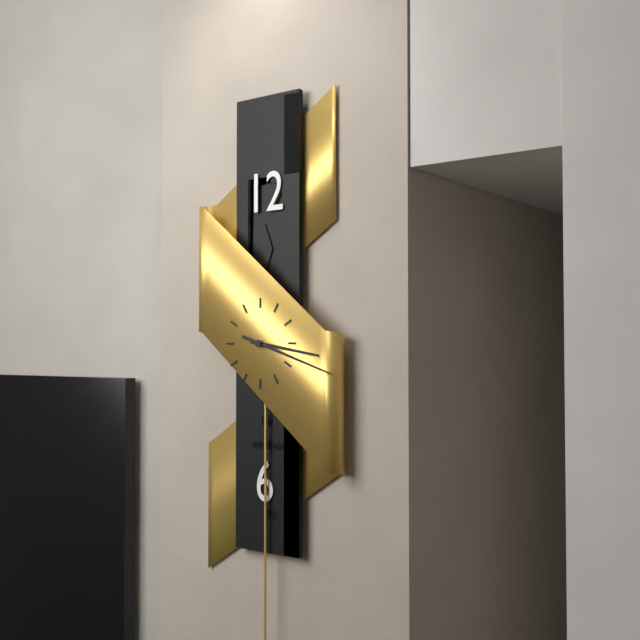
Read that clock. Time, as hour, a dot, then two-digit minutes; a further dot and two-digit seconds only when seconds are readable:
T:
3.18
